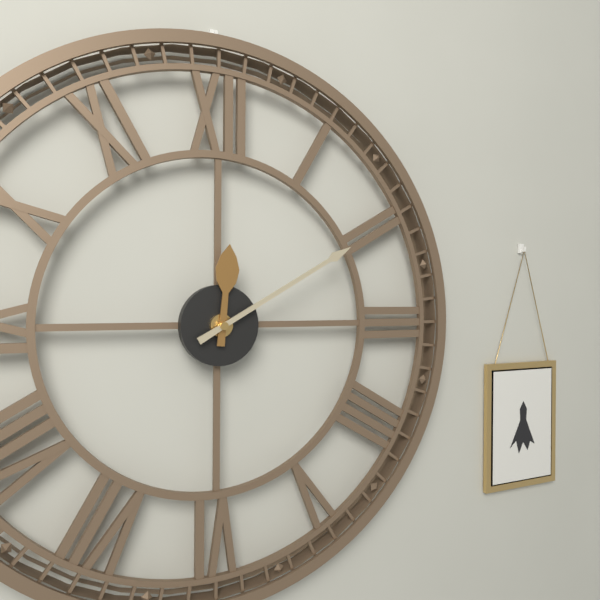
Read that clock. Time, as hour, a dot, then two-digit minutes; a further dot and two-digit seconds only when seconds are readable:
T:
12.10
